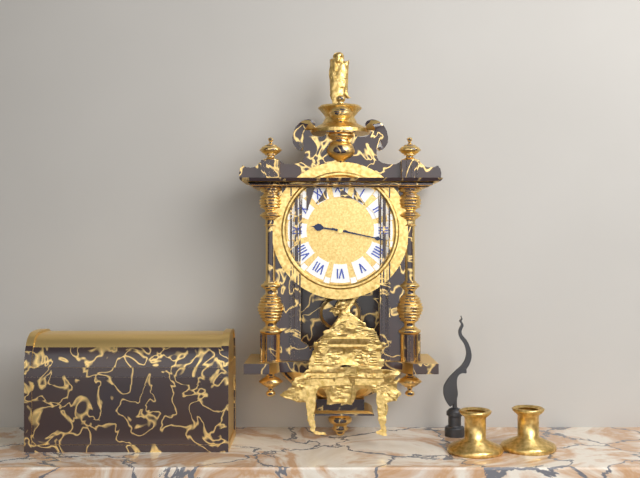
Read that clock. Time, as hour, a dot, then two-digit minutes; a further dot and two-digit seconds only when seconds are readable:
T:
9.17
